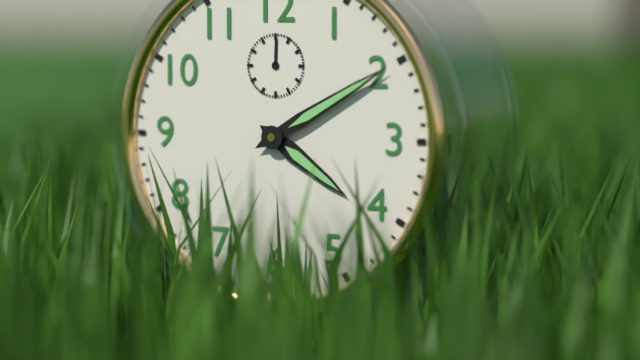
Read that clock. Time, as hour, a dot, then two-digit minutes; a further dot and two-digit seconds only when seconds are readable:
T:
4.10
